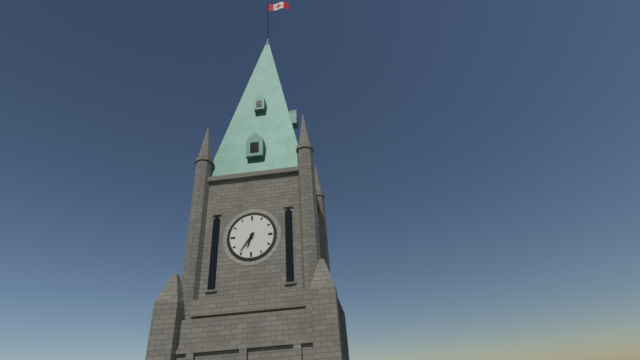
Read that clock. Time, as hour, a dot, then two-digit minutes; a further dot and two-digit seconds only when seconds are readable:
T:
6.36
